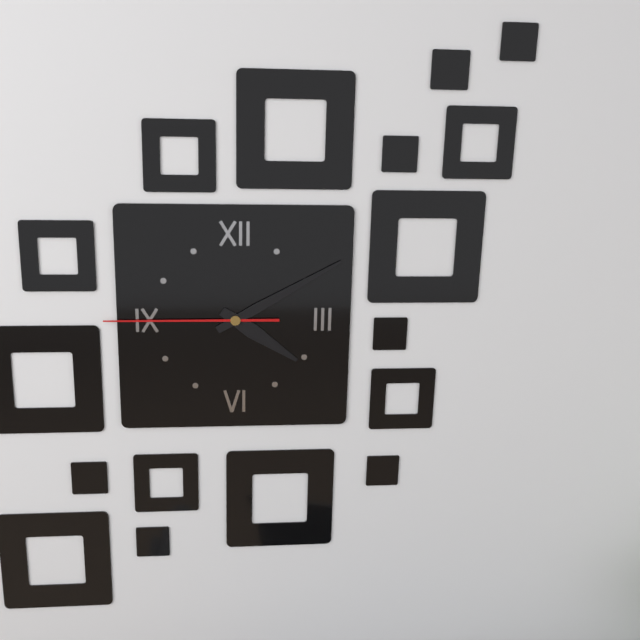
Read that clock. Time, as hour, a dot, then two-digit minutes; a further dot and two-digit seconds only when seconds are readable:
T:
4.10.45
